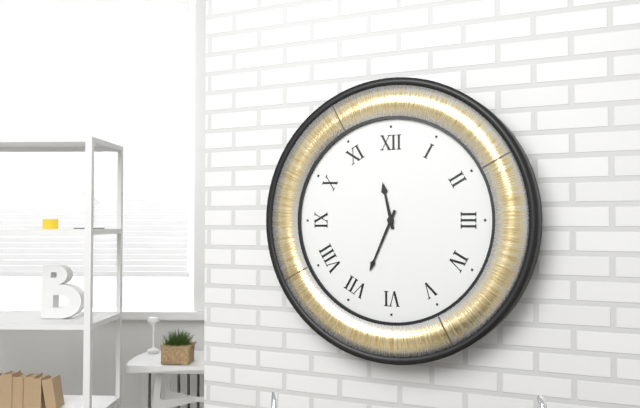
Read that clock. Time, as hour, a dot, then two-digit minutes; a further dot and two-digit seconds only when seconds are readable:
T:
11.34
